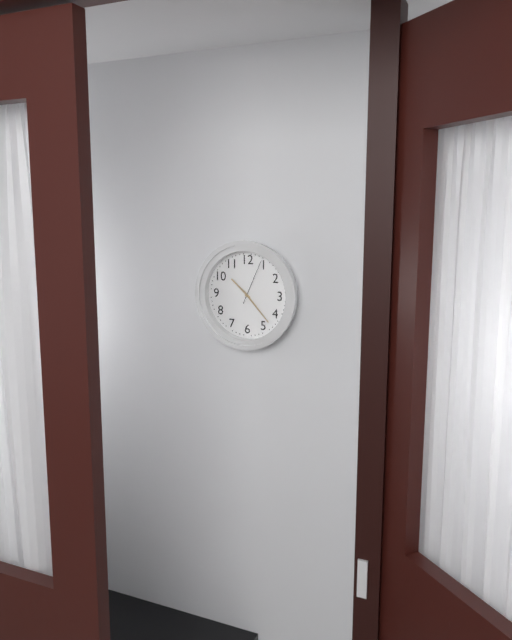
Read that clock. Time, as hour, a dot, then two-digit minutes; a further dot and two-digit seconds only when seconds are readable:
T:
10.23
